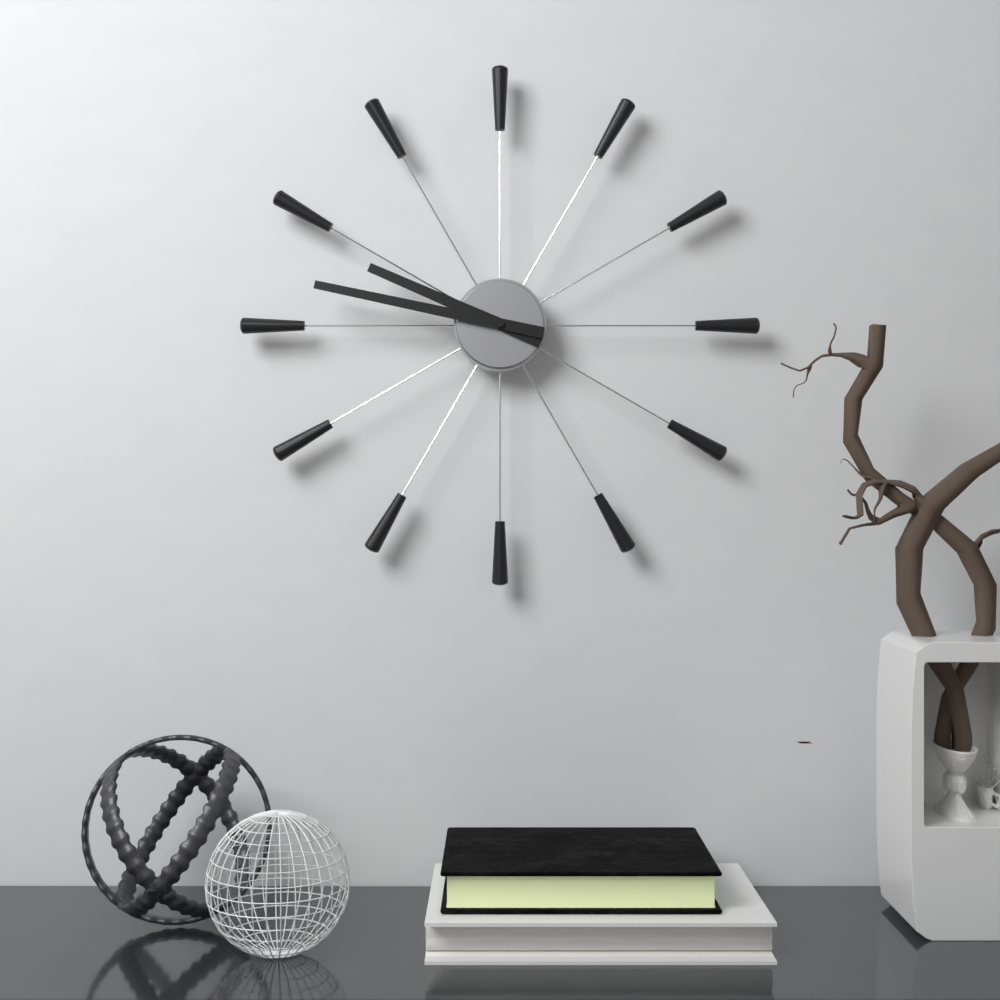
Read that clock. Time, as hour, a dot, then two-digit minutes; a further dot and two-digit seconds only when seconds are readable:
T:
9.47
